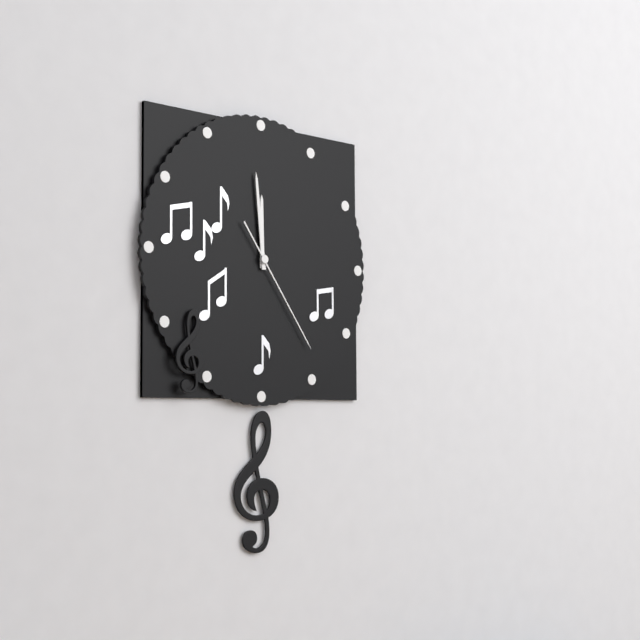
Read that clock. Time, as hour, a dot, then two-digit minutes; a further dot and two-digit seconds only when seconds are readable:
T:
11.59.24
